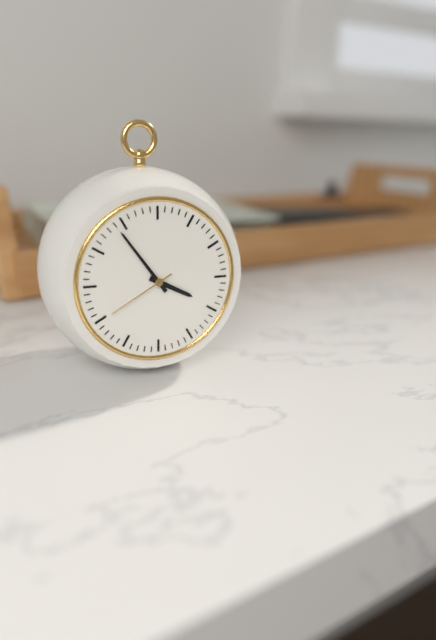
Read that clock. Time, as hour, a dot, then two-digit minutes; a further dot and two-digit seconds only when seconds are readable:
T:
3.54.40
